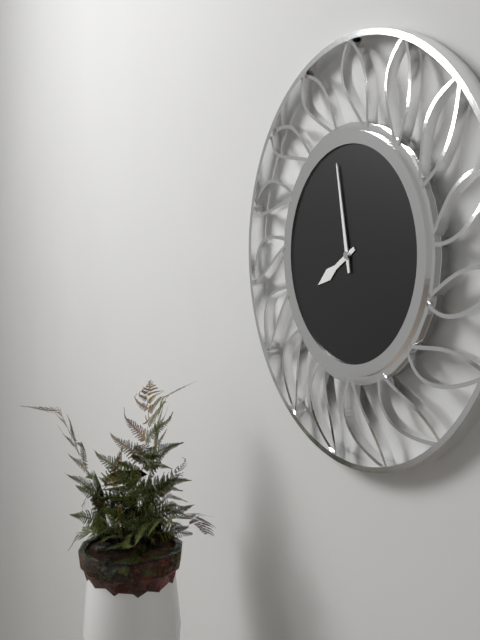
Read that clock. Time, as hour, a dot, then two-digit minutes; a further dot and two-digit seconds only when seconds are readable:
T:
7.58
